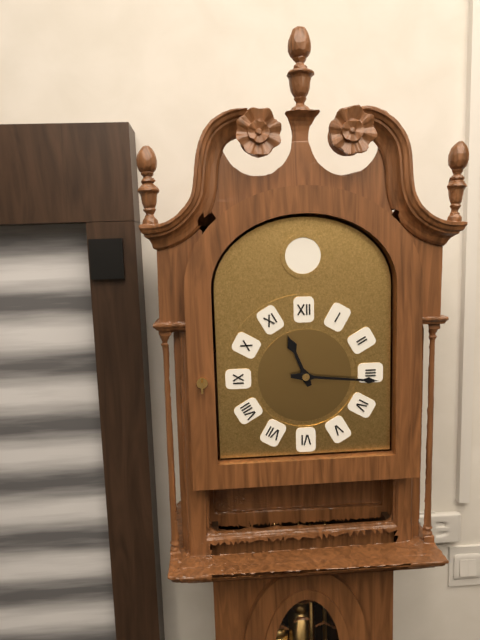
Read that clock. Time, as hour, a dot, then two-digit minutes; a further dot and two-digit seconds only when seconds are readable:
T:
11.16
